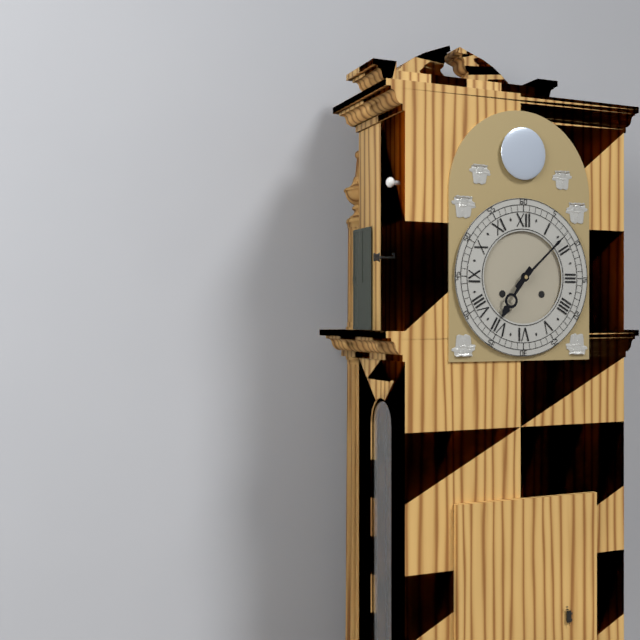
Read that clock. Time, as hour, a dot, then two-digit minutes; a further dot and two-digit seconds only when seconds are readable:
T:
7.08
